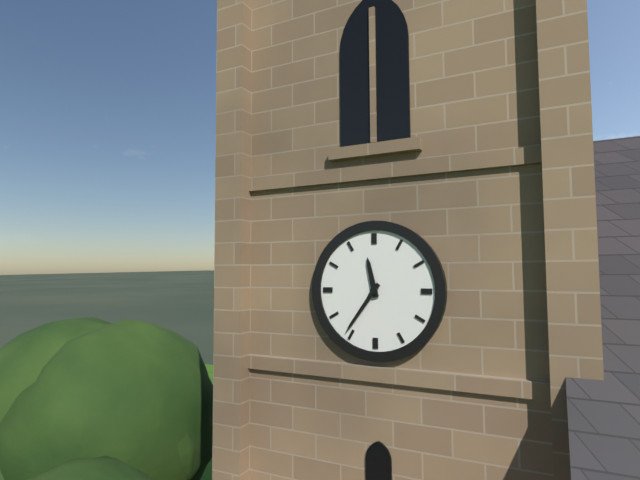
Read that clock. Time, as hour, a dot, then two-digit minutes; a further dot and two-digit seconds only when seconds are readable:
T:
11.36
